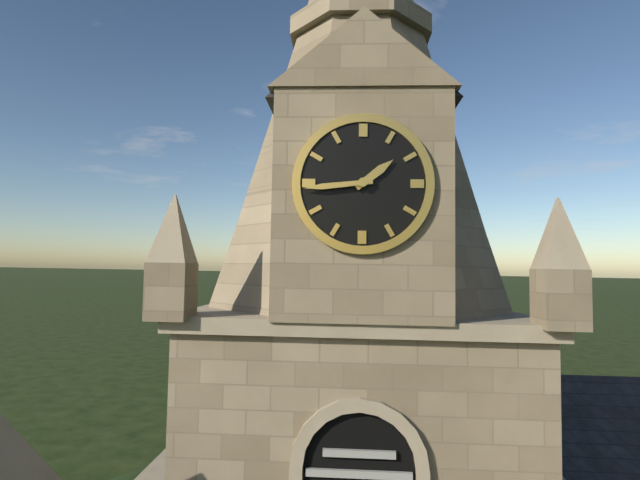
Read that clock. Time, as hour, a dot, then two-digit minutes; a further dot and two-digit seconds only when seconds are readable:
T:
1.44
